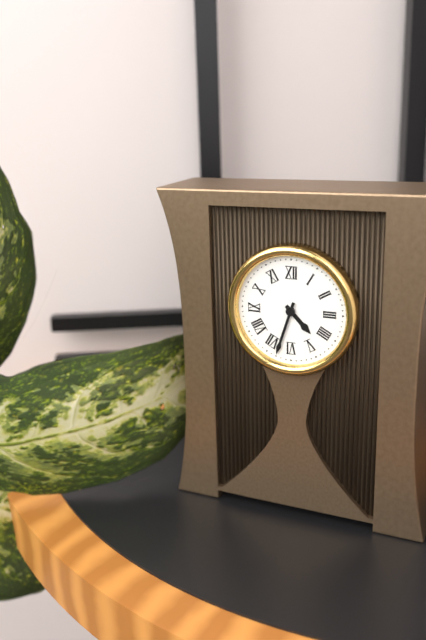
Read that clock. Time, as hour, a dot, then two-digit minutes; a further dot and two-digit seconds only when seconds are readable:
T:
4.33
